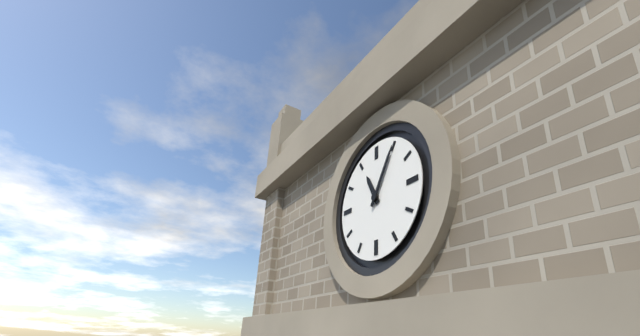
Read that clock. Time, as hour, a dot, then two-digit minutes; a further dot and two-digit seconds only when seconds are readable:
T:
11.05
